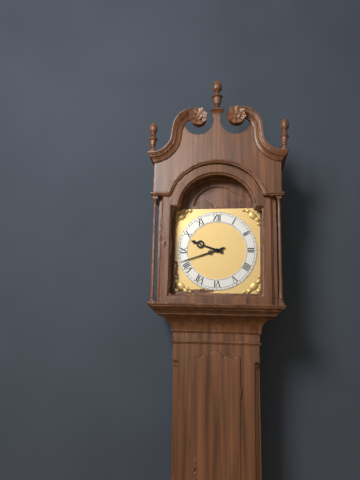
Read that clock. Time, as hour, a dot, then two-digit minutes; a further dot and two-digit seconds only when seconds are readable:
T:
9.42
